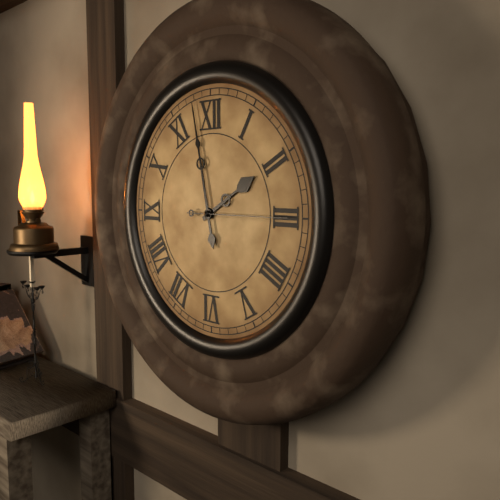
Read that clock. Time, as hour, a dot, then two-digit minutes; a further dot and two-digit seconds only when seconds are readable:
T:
1.58.15
